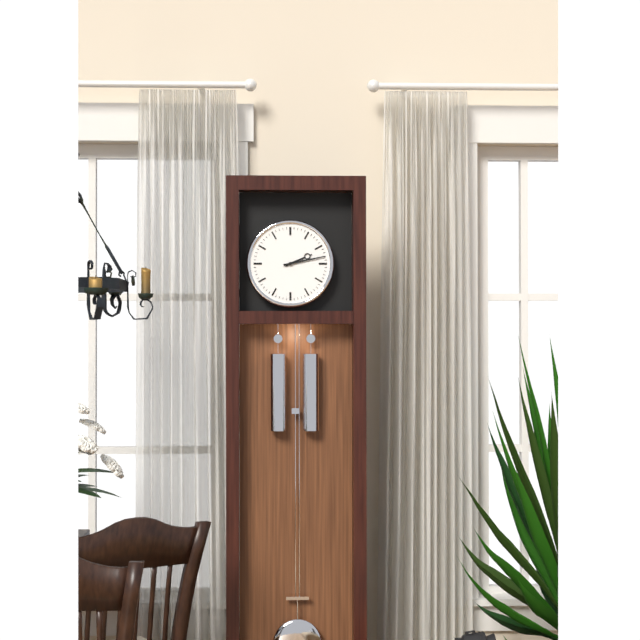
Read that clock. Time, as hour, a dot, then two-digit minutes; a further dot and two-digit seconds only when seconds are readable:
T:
2.13
